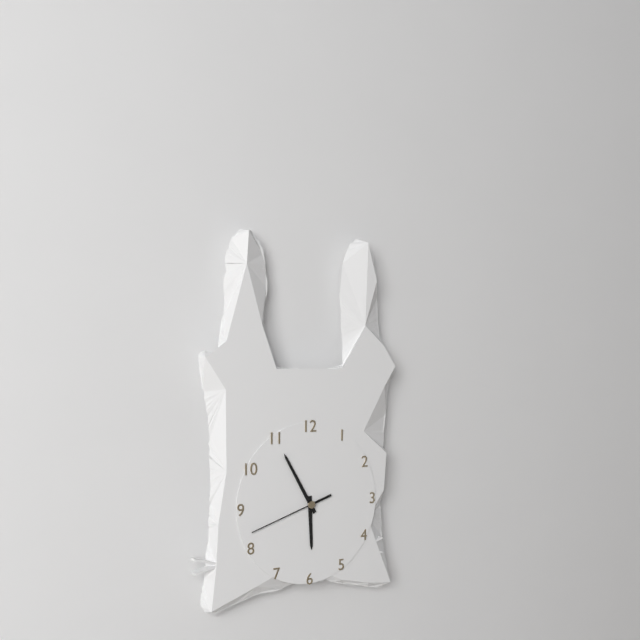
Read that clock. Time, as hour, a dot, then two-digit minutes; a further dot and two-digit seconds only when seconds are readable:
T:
5.55.42
